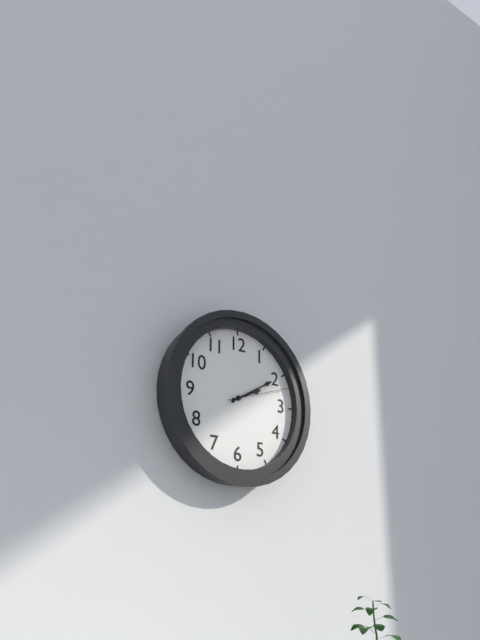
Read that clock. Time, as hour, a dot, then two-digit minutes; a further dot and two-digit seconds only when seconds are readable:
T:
2.10.12
